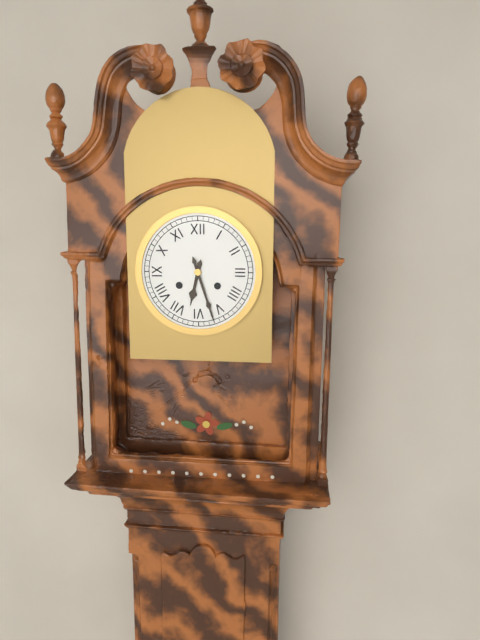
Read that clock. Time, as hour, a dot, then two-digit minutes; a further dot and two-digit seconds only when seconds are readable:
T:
6.27
